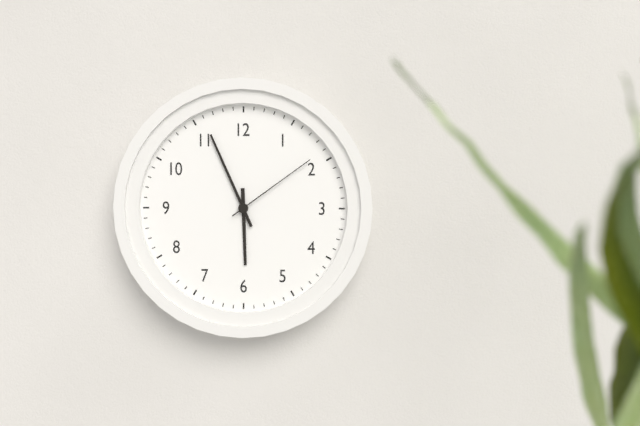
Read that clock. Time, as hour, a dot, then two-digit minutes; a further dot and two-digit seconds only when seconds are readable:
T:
5.56.09
